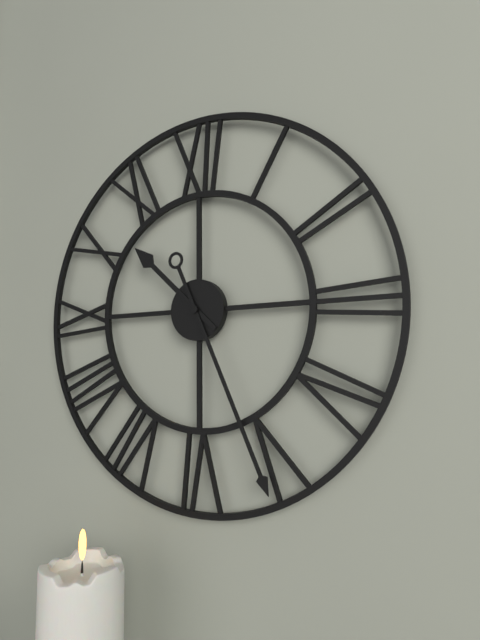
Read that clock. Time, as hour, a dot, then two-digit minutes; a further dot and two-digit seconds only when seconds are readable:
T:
10.26
